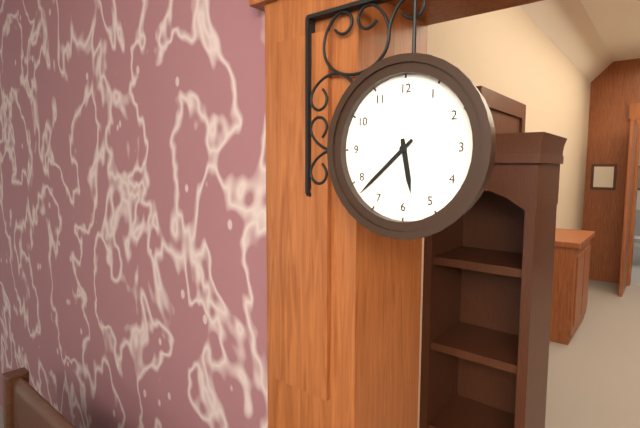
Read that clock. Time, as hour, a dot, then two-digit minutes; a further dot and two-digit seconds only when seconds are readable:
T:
5.38
